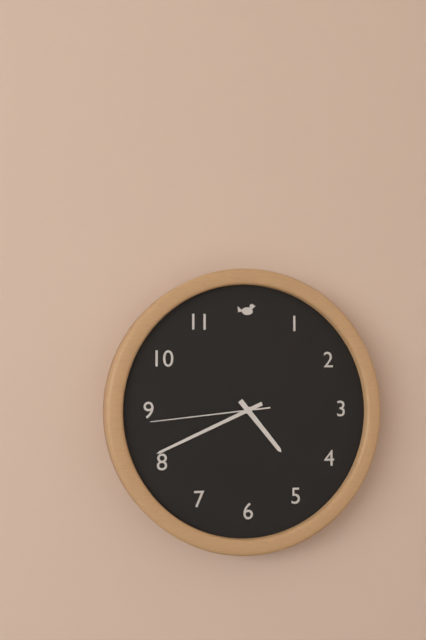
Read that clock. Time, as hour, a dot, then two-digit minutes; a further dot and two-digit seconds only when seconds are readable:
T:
4.41.44
